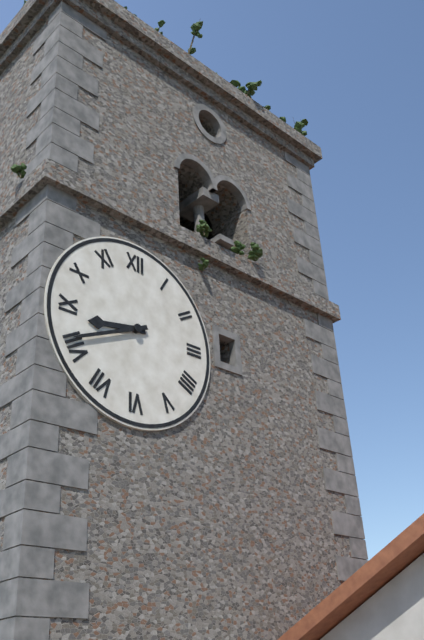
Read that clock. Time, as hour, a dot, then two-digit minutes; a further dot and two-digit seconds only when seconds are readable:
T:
8.41
